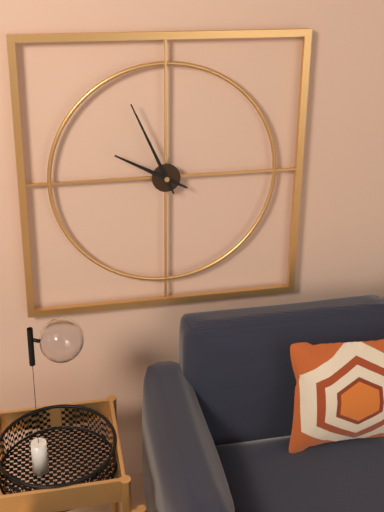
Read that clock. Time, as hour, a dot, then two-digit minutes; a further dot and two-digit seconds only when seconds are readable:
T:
9.56
